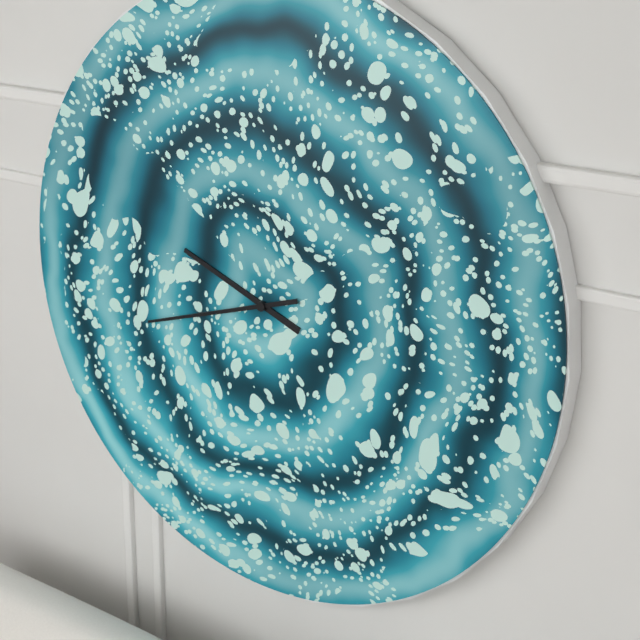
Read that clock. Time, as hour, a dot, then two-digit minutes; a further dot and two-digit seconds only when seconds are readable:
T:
9.42
